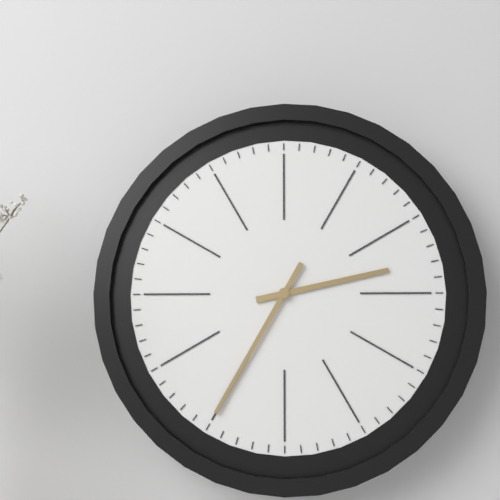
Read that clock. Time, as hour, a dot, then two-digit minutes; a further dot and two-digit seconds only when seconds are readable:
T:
2.35
